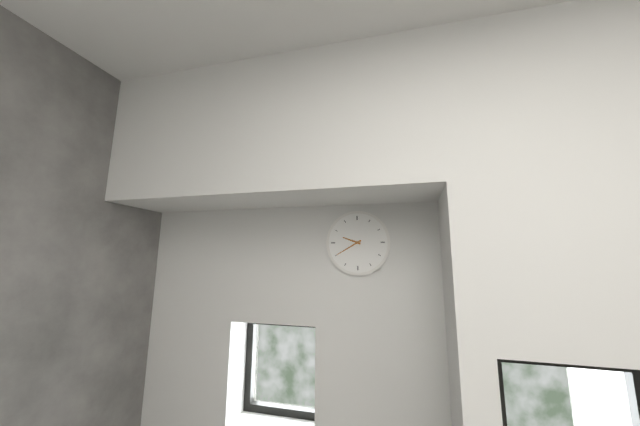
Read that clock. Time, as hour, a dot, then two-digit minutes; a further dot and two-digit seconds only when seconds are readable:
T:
9.40
